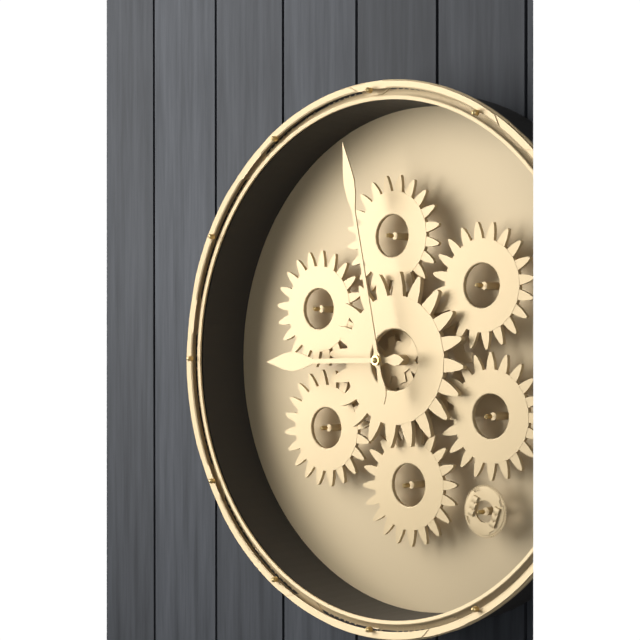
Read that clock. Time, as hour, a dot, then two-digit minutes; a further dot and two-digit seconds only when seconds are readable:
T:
8.58
